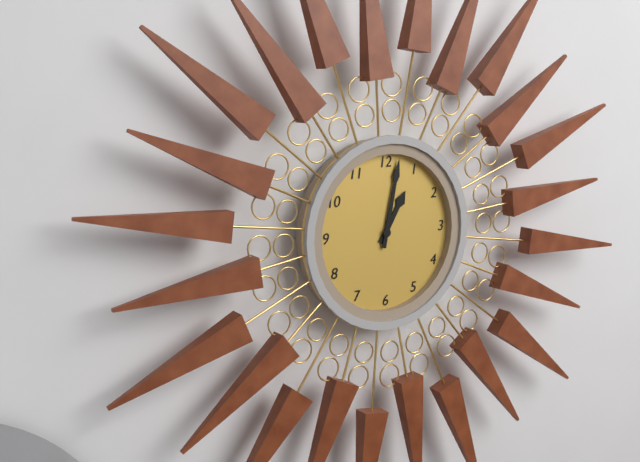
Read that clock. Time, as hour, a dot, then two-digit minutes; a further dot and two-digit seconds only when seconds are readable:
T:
1.02
